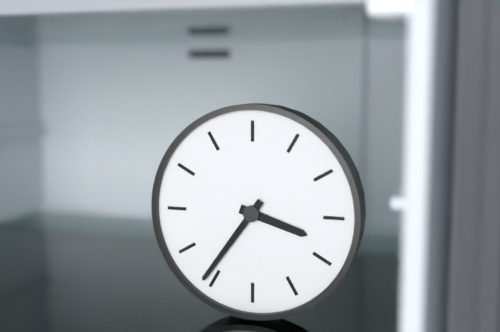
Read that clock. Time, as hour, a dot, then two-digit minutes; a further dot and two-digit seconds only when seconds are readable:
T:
3.36
